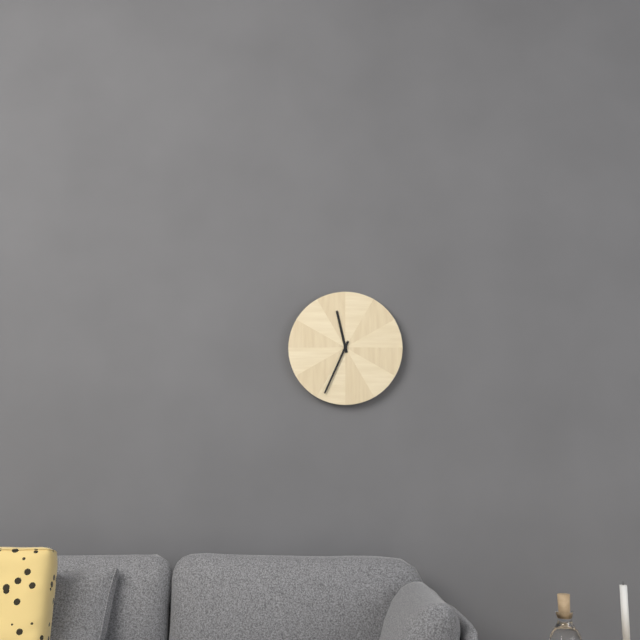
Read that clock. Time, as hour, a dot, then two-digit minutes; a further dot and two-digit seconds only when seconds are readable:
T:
11.34
